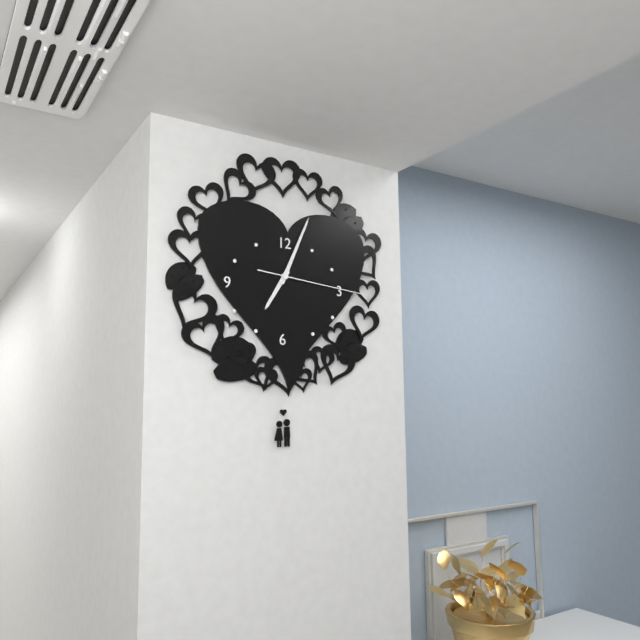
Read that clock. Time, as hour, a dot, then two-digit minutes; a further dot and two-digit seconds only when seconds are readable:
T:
7.04.16
